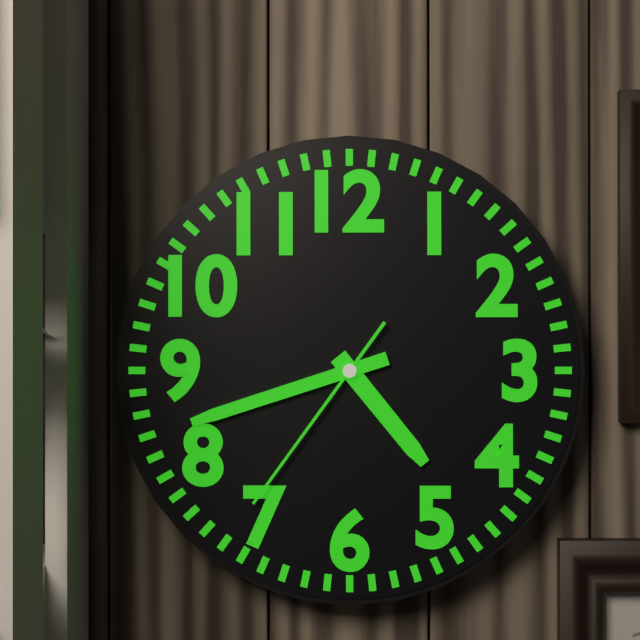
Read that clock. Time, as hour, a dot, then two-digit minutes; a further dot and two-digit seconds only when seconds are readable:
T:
4.42.36
